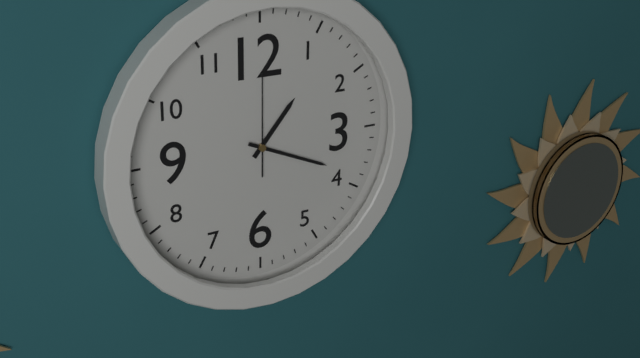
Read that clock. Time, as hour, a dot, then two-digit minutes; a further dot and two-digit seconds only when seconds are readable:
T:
1.19.00
